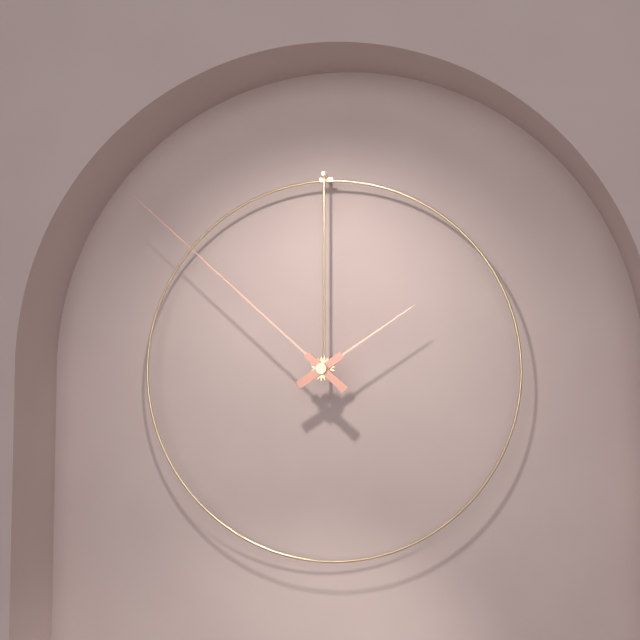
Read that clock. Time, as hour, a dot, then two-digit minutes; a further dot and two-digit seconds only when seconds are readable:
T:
1.52
